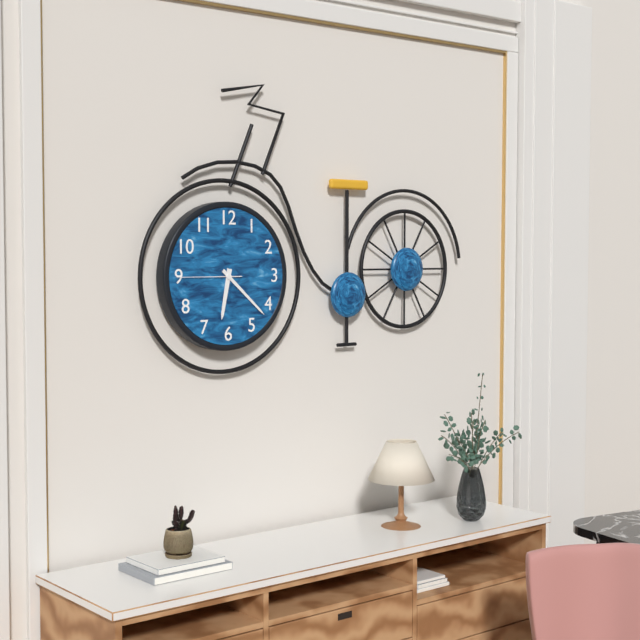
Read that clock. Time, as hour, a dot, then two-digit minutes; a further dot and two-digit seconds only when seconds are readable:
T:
6.22.45
